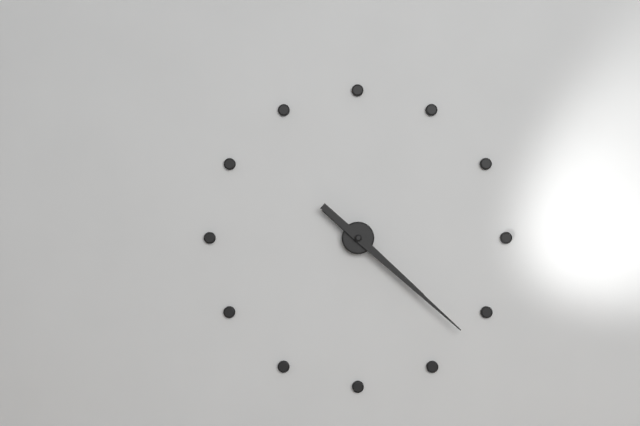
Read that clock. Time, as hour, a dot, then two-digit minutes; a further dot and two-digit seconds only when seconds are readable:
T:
4.22
